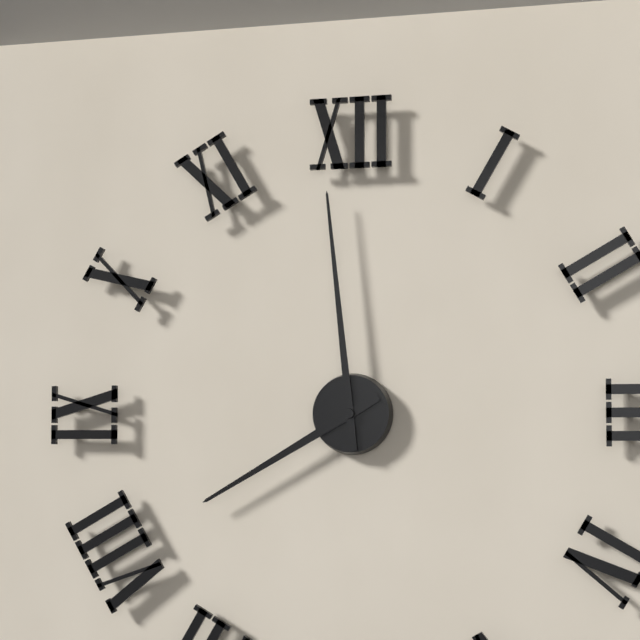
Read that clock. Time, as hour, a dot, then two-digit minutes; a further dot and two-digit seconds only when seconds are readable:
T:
7.59
